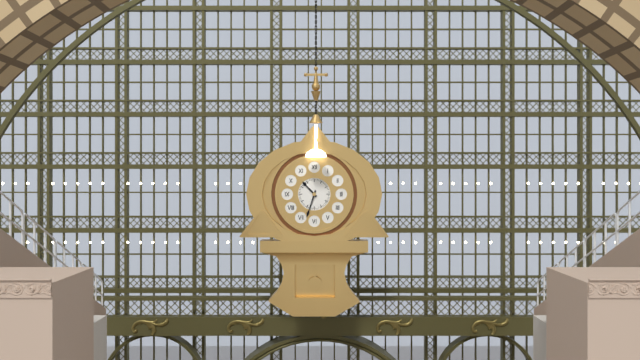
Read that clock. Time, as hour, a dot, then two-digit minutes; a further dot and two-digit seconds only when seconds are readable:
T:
10.33
